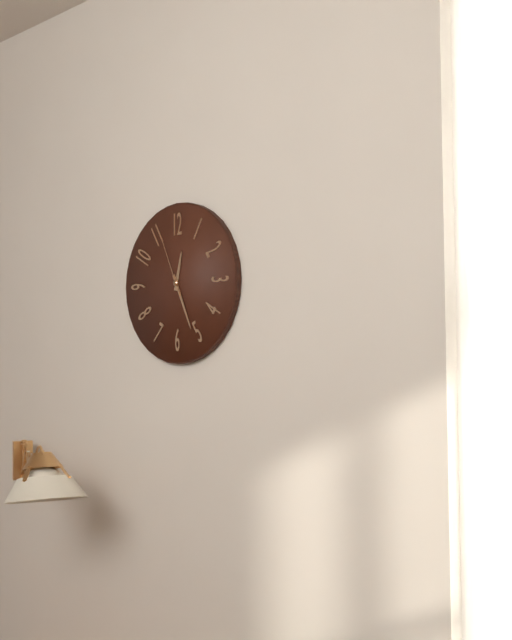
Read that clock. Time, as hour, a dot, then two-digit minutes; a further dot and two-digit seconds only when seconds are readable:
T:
12.26.56
